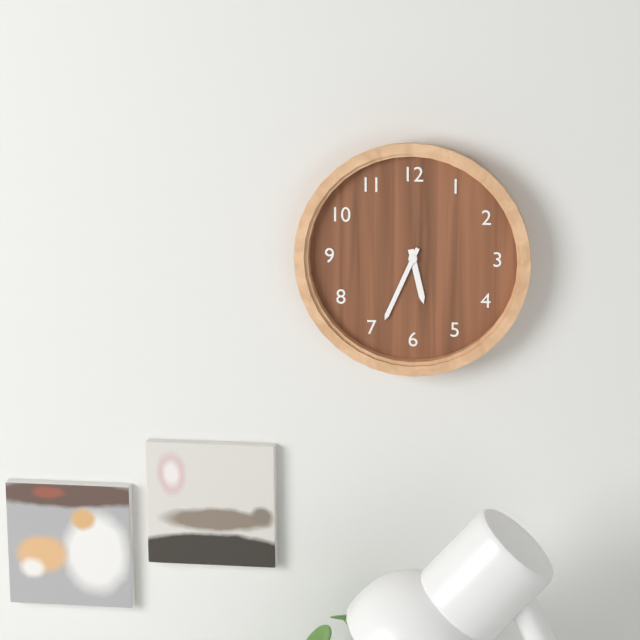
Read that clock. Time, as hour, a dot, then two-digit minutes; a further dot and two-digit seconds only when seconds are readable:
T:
5.34
